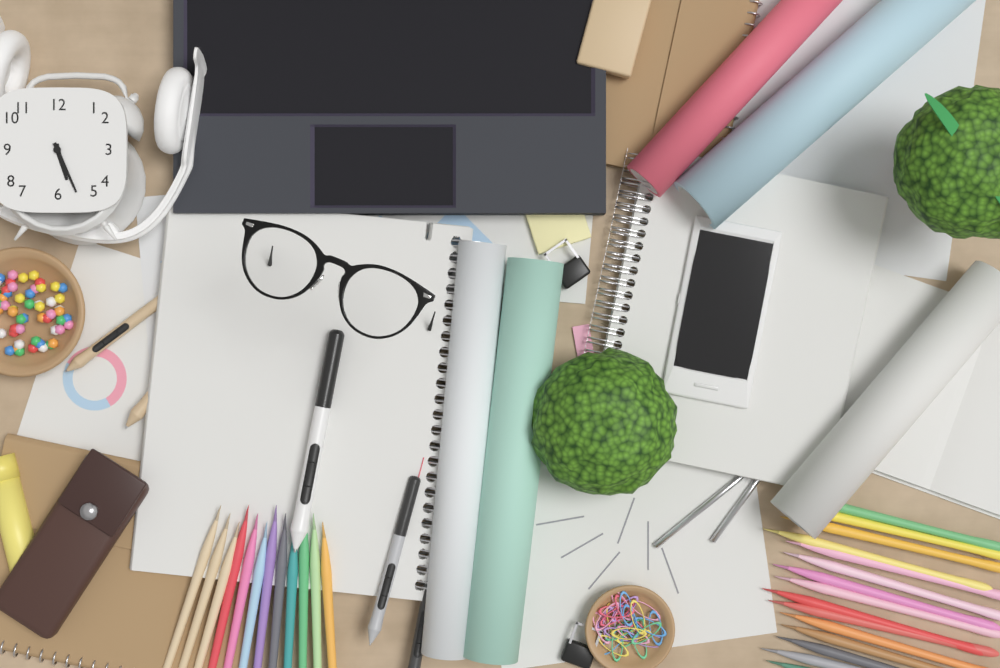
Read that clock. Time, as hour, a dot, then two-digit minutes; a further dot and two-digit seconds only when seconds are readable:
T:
5.26
